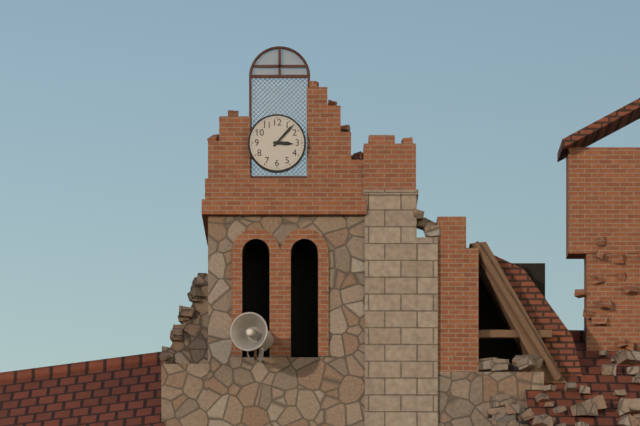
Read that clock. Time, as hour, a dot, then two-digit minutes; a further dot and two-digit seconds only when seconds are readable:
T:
3.07
